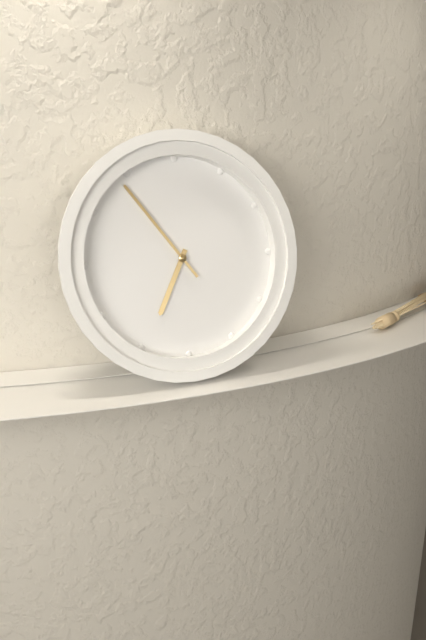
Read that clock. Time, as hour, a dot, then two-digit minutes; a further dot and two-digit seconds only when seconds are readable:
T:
6.54
